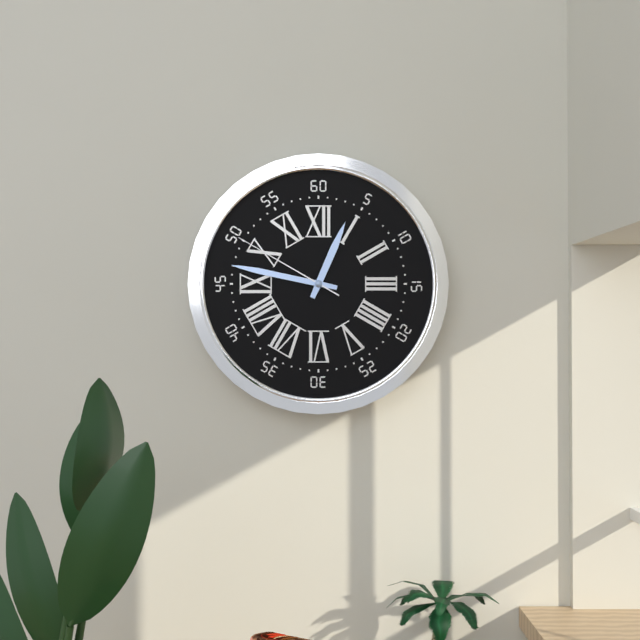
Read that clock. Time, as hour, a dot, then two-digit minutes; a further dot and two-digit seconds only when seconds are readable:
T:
12.47.50
